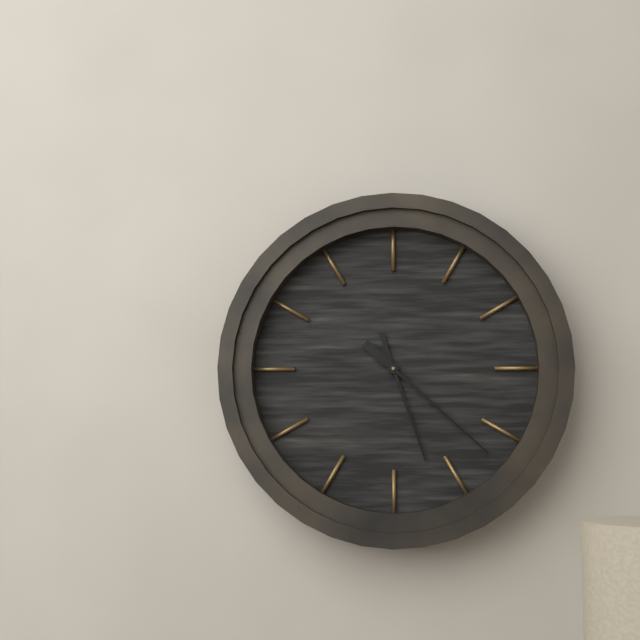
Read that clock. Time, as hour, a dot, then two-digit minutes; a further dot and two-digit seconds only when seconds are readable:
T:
5.22
